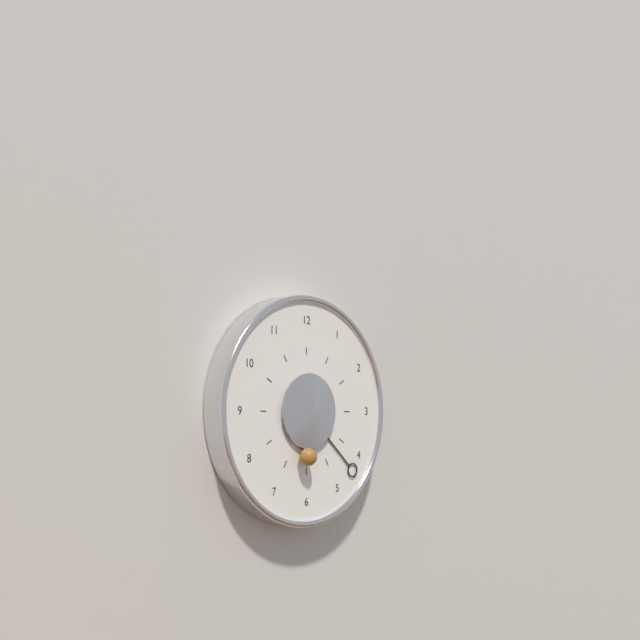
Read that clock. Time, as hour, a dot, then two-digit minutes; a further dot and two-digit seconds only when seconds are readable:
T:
6.22
